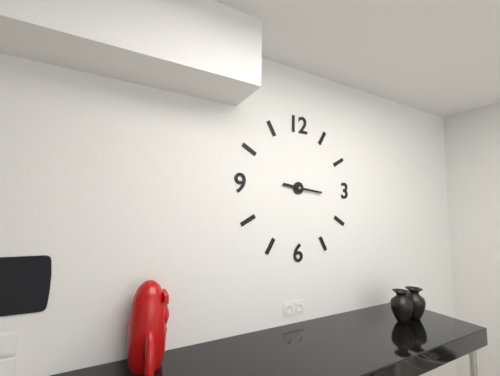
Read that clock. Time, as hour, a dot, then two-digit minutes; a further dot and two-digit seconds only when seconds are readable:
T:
9.16
